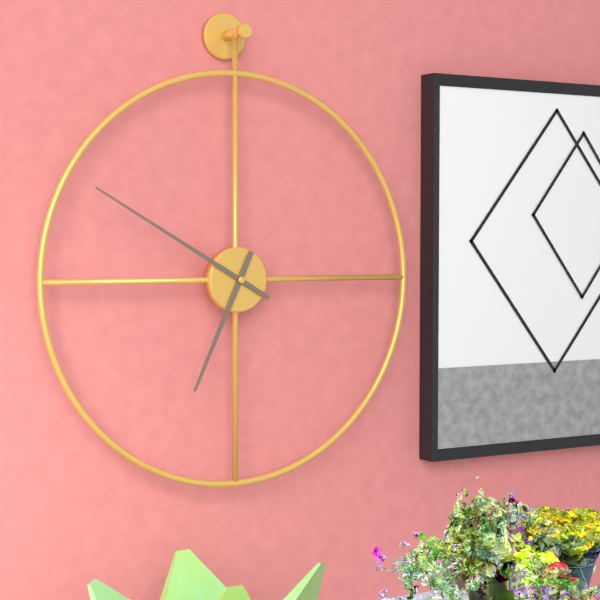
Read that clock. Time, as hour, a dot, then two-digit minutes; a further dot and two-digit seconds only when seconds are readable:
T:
6.50
